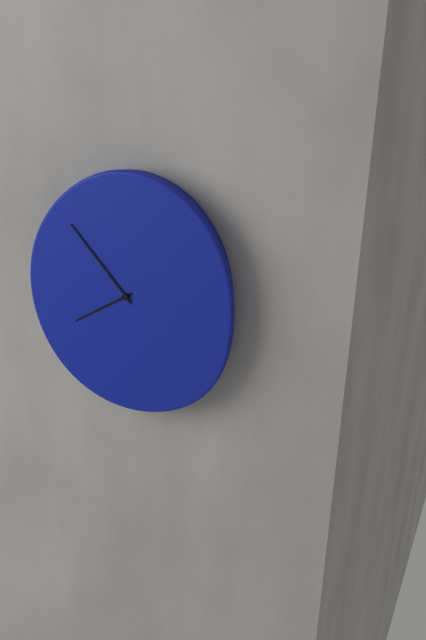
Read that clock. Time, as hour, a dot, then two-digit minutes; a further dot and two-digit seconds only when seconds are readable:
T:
7.53
